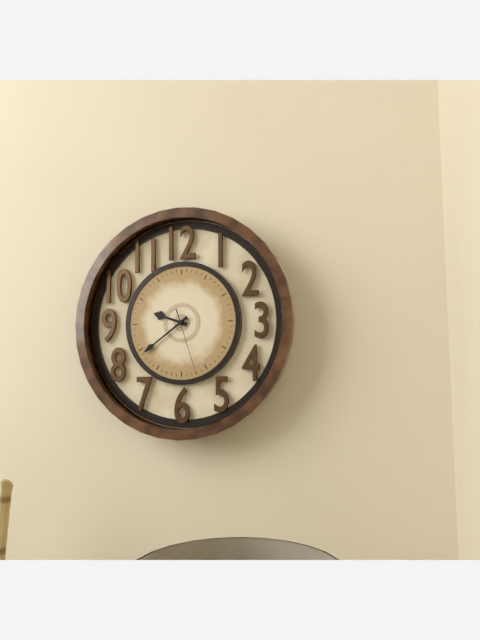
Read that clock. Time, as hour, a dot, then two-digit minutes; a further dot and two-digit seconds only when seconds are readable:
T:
9.39.27
